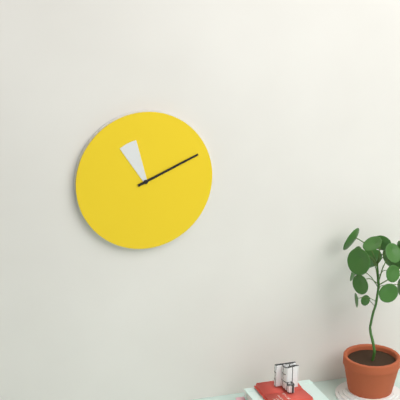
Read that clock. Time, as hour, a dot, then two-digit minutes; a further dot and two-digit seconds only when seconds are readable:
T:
11.11
